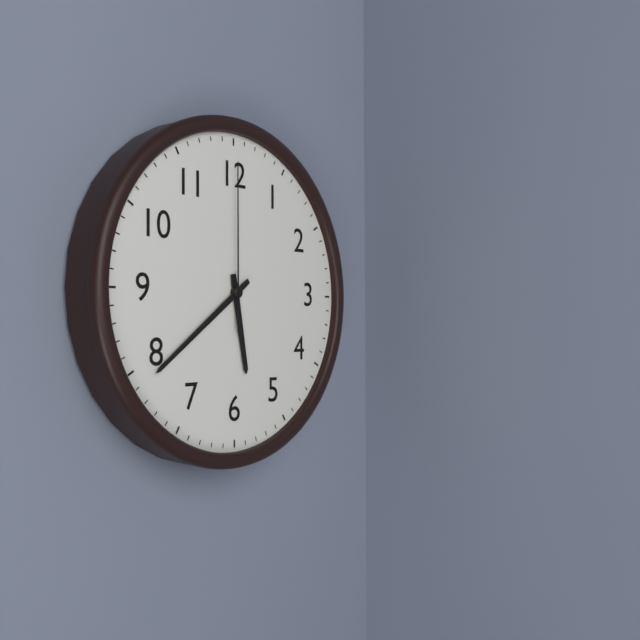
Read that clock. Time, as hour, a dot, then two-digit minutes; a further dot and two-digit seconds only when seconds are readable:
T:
5.39.00
